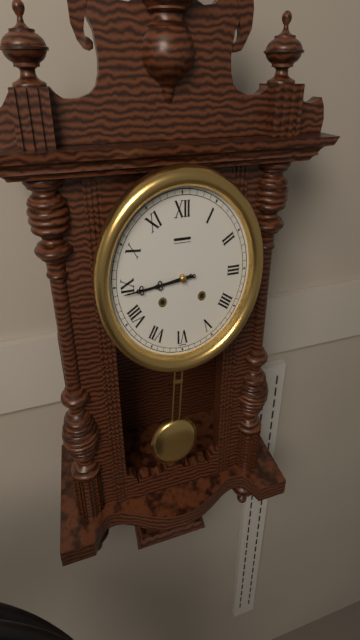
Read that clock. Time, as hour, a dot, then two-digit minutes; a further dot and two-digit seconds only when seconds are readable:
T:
8.44
